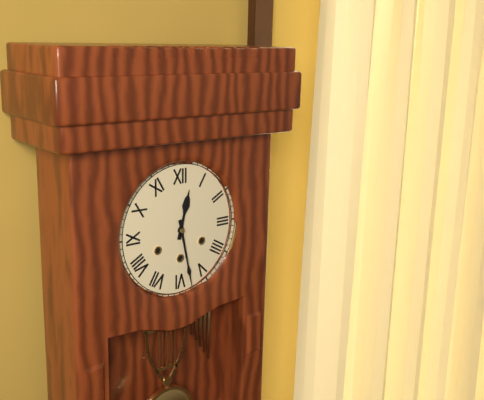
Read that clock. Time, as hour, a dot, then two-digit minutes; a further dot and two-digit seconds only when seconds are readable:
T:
12.28
